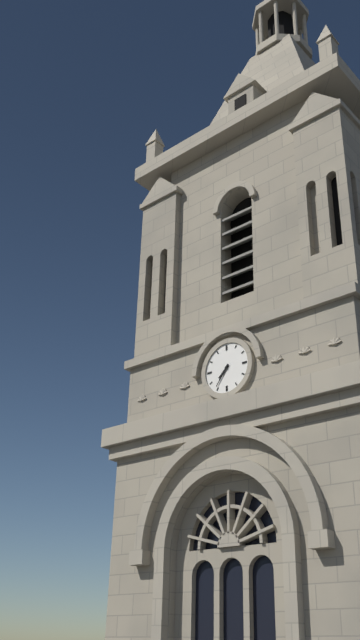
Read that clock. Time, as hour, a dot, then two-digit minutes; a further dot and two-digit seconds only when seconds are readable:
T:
7.36
